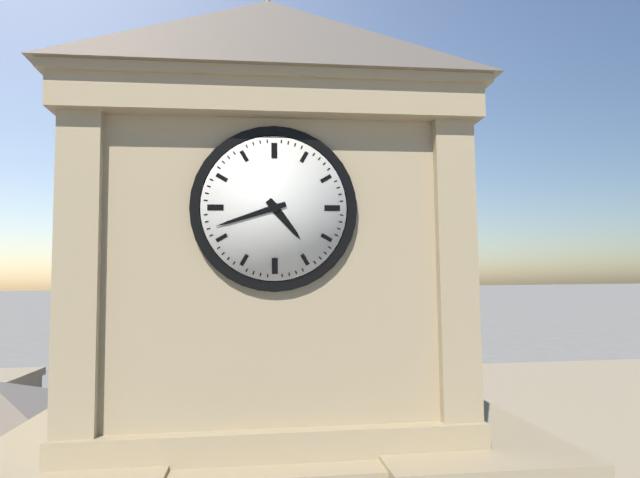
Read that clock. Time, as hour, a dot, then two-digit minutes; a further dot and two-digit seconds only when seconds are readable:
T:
4.42
